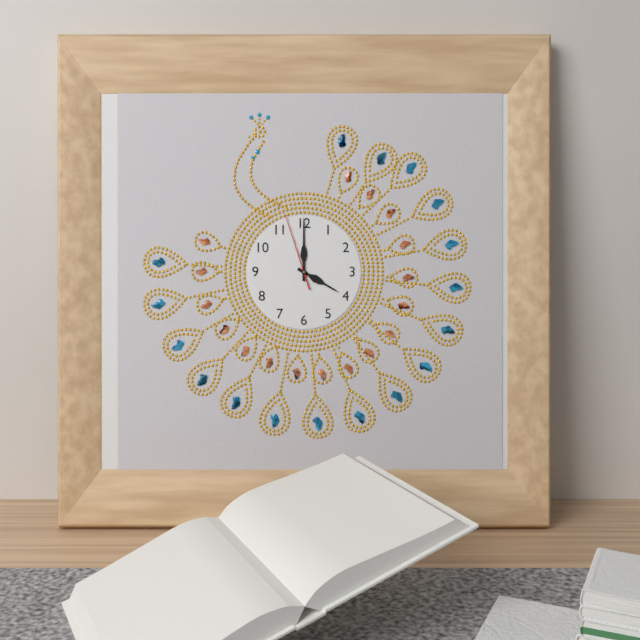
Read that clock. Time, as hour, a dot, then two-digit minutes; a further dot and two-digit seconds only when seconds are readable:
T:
4.00.57
